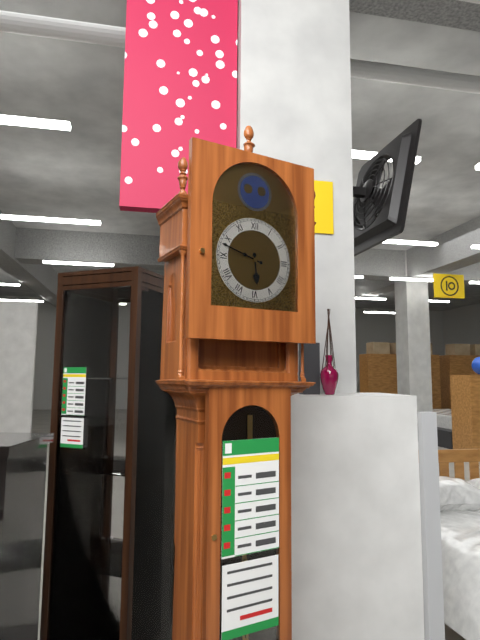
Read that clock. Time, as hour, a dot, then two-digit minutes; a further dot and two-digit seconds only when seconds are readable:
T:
5.48
